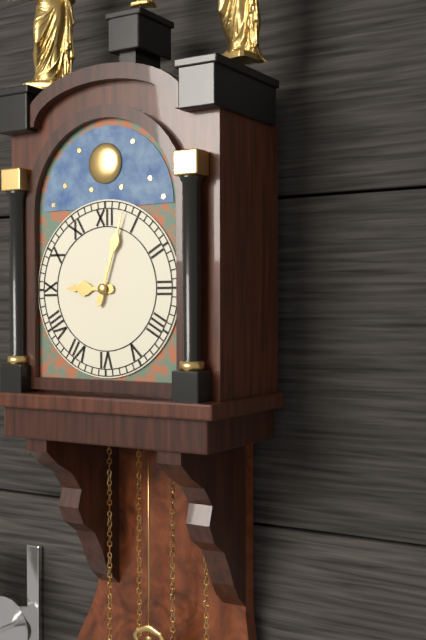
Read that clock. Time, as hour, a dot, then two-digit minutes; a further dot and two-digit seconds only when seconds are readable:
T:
9.03
